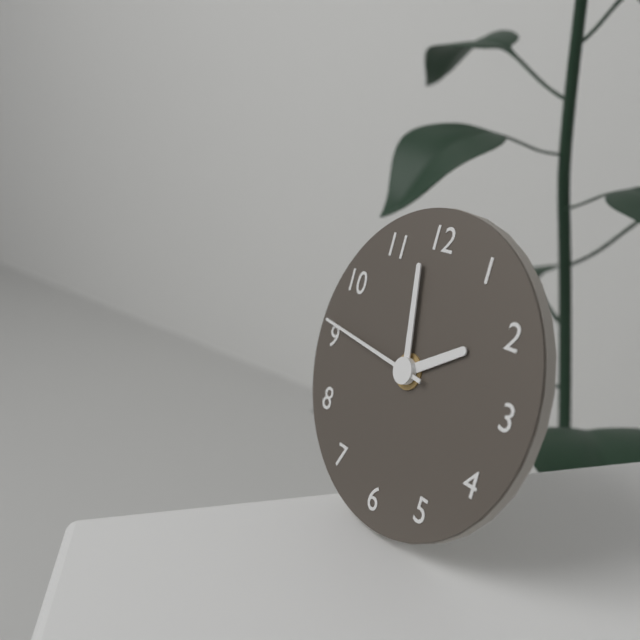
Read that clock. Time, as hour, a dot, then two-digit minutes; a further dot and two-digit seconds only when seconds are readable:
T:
1.58.46
